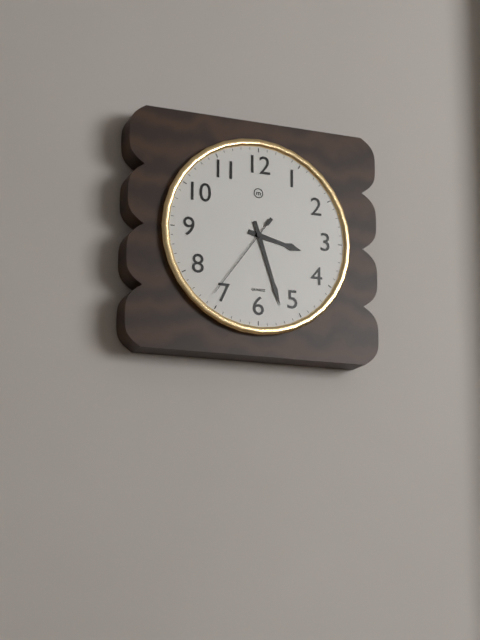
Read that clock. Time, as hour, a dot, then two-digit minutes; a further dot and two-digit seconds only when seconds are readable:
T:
3.27.36
